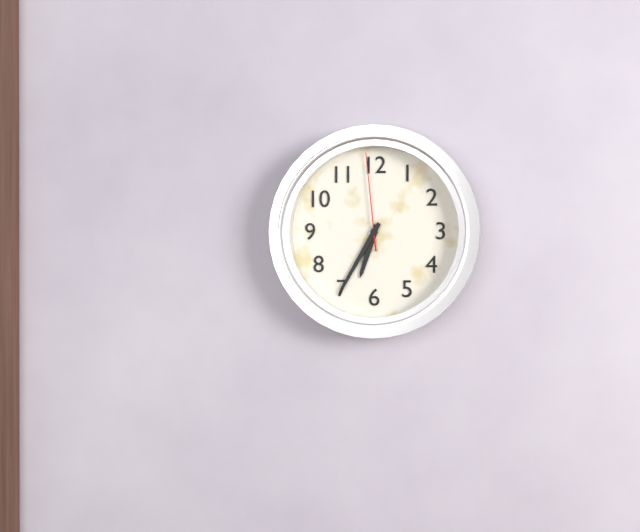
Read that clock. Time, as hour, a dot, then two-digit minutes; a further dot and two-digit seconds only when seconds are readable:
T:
6.35.59
